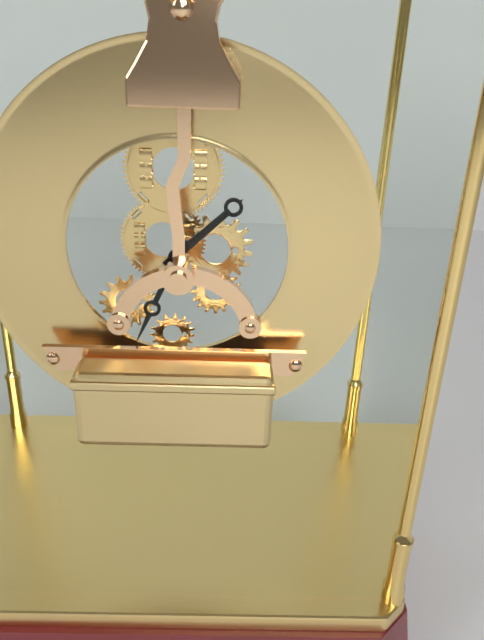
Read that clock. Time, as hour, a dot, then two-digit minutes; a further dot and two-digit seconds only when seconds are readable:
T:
1.34
